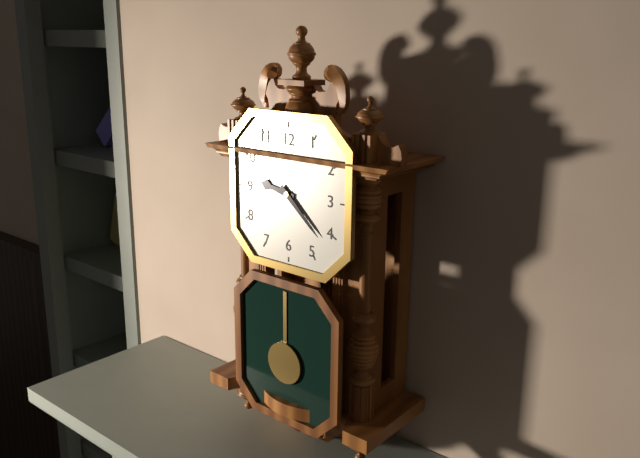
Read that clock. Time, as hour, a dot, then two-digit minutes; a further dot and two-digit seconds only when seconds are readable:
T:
9.22
